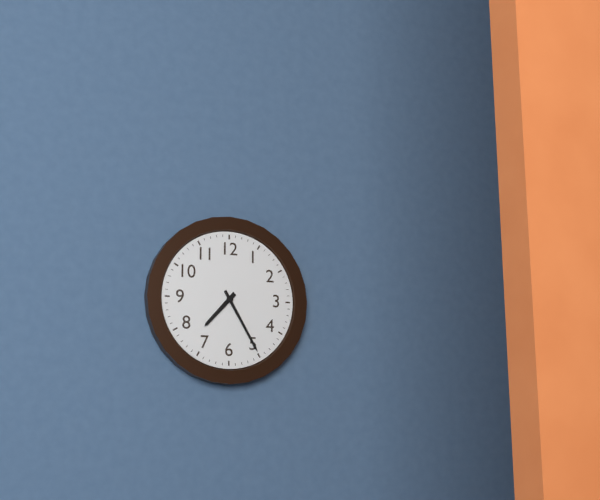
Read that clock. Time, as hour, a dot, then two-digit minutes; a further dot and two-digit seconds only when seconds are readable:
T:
7.25
